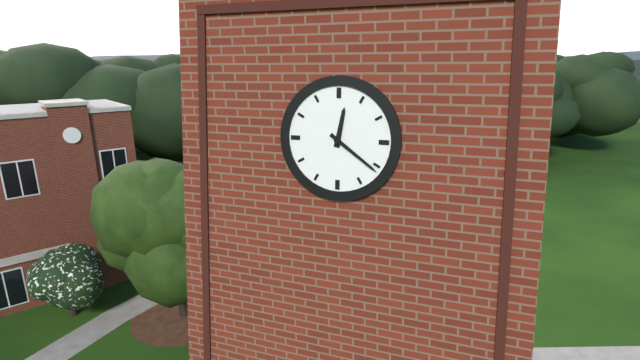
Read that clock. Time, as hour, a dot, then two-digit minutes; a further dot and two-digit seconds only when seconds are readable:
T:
12.21
